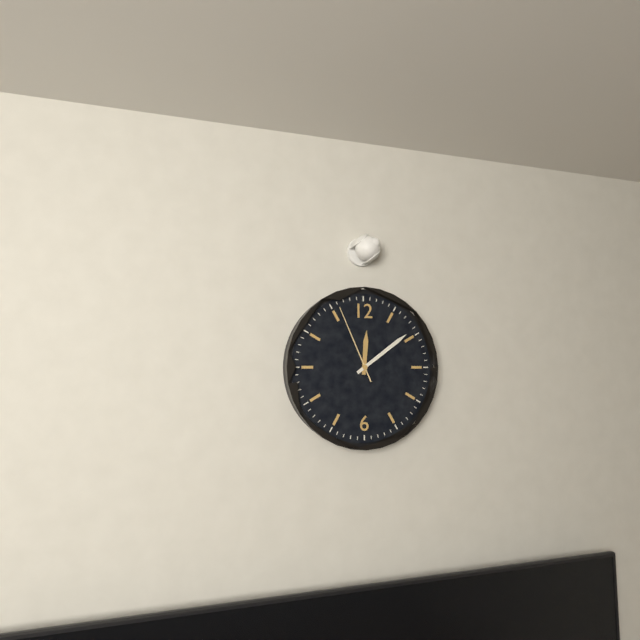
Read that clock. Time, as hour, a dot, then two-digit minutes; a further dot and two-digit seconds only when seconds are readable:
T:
12.09.56
